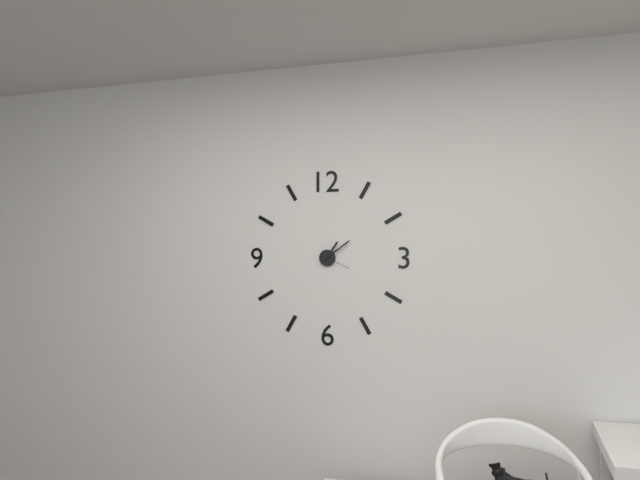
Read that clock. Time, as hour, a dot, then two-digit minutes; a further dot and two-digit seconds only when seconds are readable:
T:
1.09
